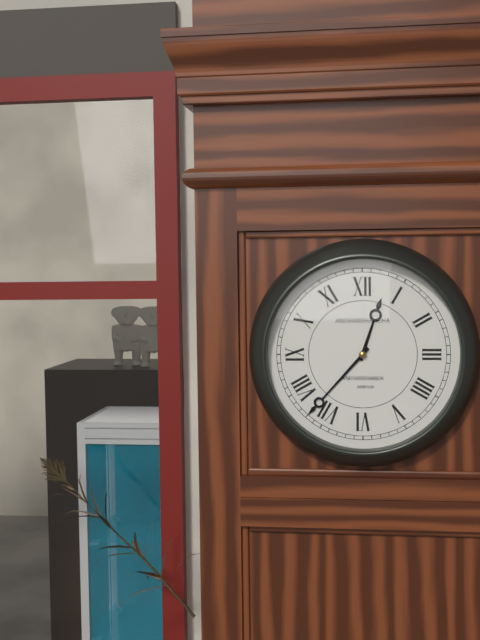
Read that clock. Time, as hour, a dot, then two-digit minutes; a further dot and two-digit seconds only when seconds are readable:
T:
12.37
